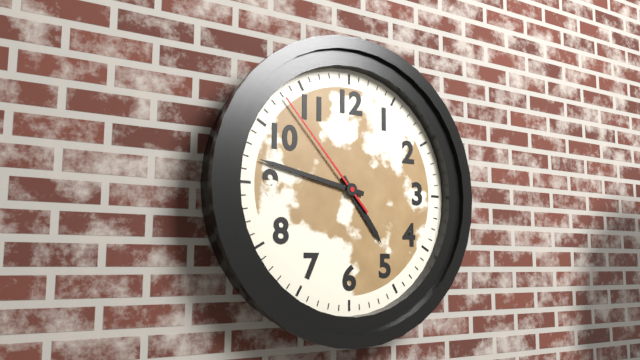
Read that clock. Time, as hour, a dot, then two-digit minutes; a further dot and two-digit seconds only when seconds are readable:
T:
4.47.53
